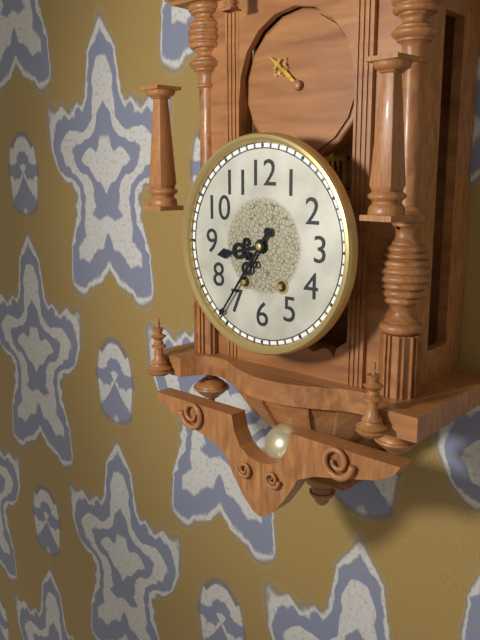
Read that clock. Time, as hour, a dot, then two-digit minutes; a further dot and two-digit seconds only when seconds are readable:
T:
8.36
